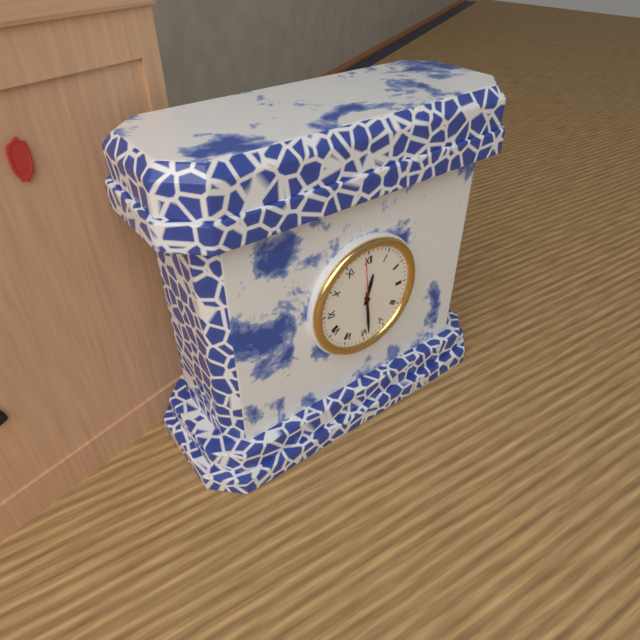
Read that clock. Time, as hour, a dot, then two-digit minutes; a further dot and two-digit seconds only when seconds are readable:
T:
12.29.59
